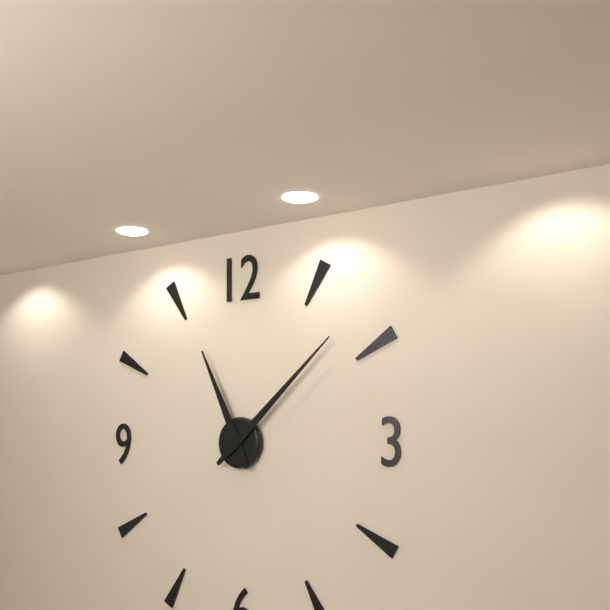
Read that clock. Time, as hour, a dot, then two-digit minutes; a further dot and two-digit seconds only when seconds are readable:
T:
11.08
